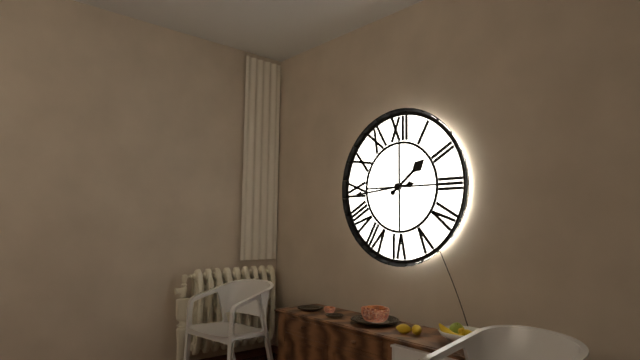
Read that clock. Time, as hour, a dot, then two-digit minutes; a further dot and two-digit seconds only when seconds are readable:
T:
1.44
